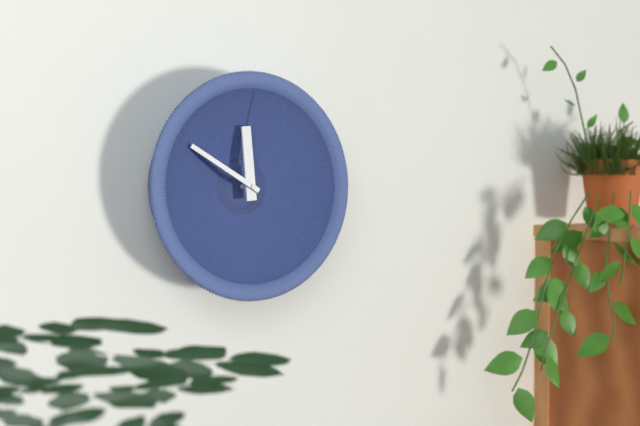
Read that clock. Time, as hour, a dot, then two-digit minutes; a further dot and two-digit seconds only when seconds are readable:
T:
11.50
